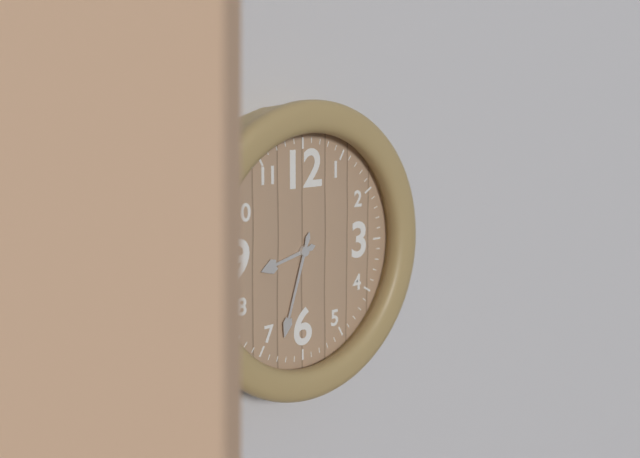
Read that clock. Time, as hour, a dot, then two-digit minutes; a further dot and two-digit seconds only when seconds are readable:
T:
8.33
